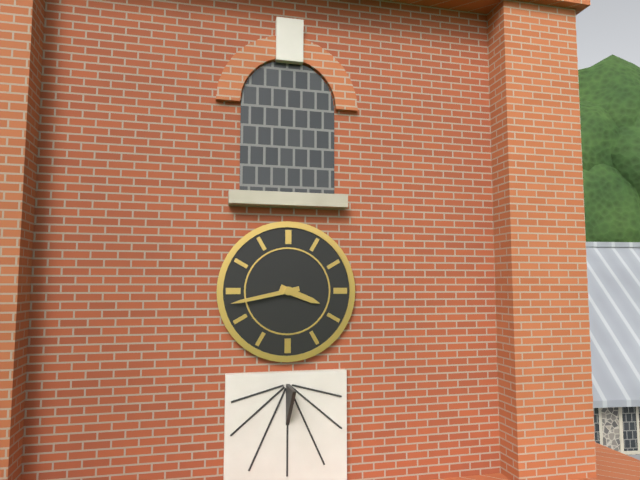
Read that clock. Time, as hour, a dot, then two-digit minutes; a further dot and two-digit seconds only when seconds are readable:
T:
3.43
